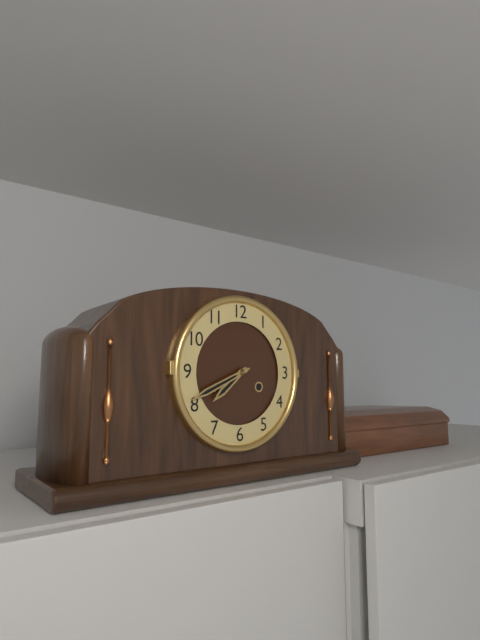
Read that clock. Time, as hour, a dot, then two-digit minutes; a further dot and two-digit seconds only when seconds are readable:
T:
7.41
